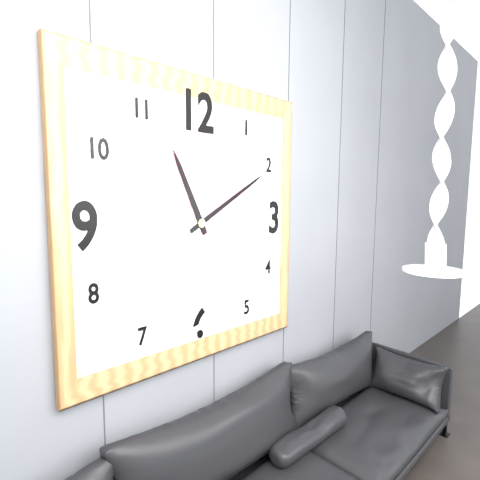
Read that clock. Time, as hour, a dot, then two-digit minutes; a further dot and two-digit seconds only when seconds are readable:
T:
11.10
